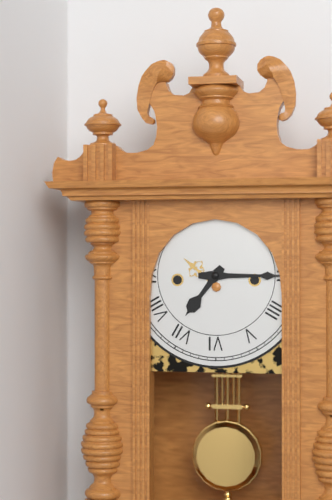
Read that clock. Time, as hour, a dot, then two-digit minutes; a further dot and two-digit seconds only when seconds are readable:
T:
7.15
